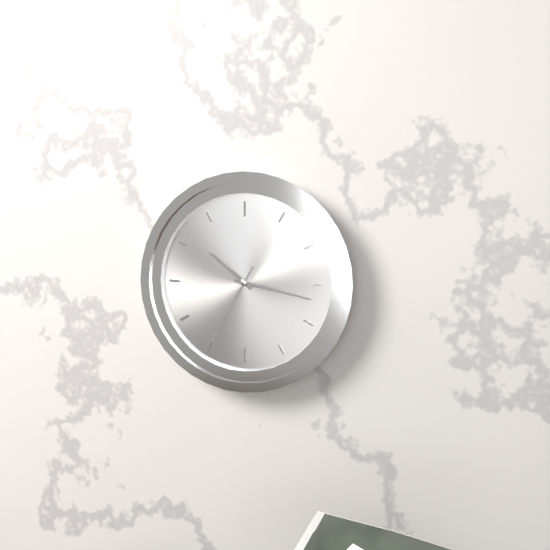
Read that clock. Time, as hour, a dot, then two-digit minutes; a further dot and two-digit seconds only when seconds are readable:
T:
10.17.35
